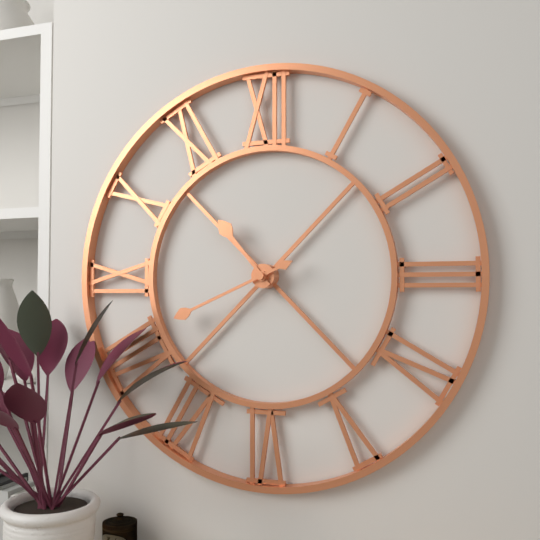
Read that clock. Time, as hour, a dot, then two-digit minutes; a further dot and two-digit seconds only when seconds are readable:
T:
10.41
